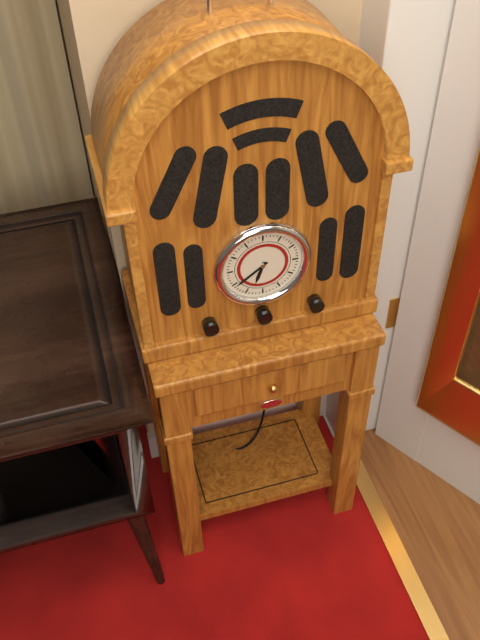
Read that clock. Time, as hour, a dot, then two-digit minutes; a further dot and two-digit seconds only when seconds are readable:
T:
6.39
